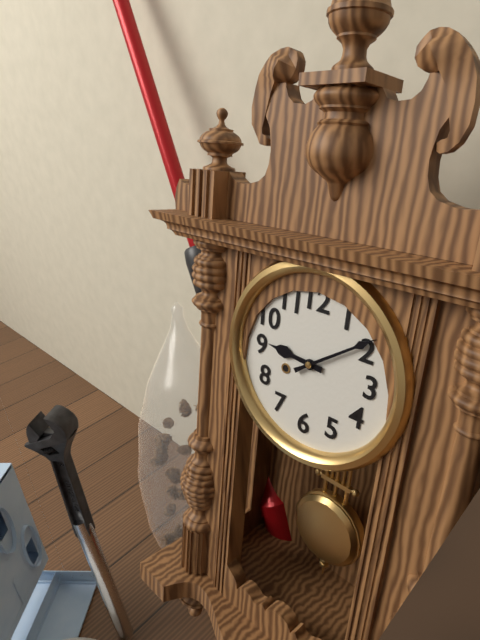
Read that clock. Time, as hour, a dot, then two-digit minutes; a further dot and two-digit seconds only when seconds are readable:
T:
9.09
